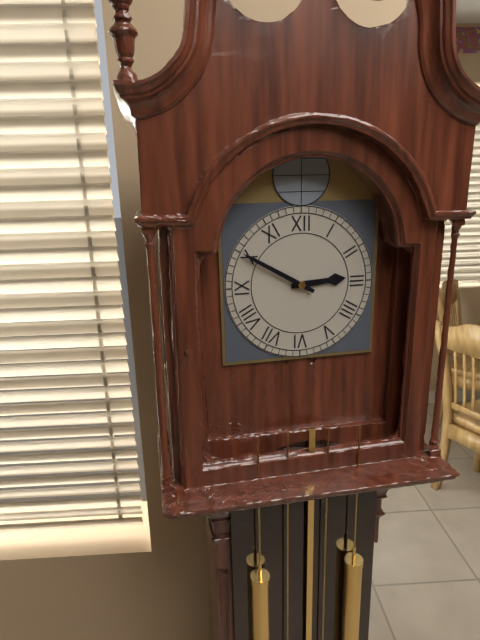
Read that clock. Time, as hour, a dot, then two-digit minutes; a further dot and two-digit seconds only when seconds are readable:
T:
2.50
